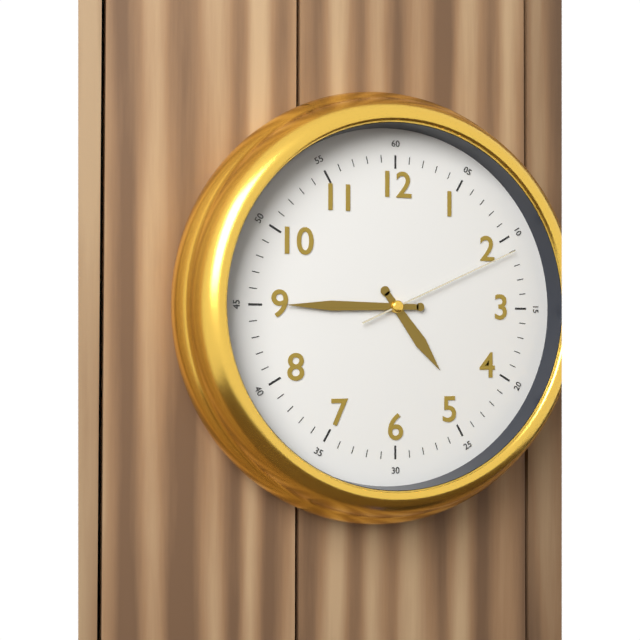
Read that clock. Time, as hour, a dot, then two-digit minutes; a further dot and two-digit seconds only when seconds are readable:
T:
4.45.11
